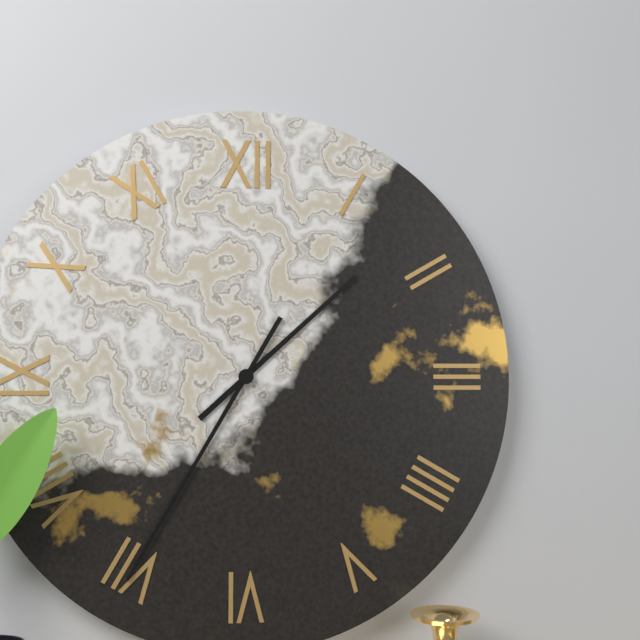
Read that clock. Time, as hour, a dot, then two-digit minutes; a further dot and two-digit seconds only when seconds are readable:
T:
1.35
